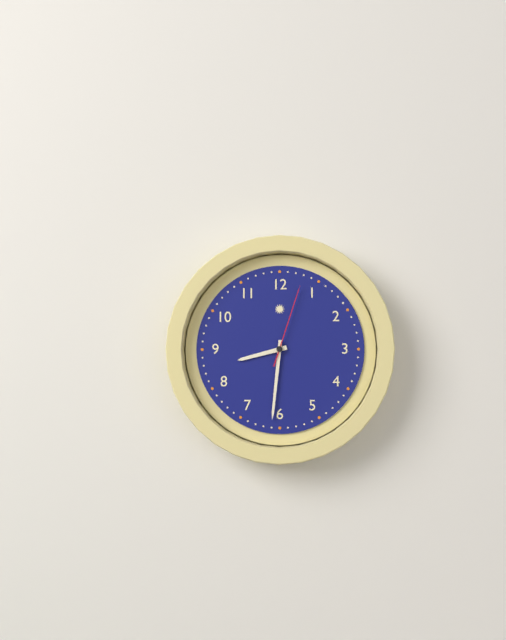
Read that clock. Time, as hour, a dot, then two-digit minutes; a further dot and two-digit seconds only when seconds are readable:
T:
8.31.03
